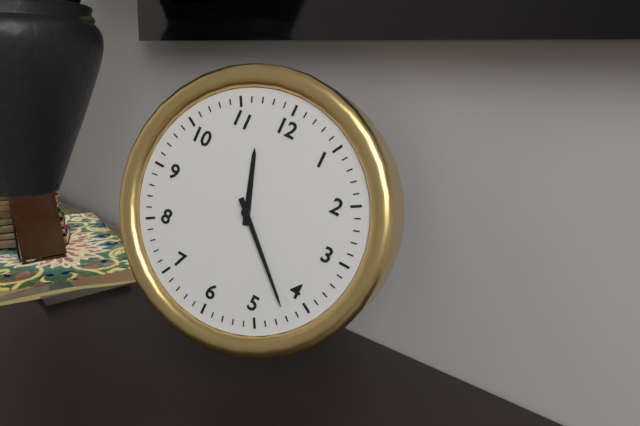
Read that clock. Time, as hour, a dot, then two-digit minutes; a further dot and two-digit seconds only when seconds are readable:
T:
11.22
